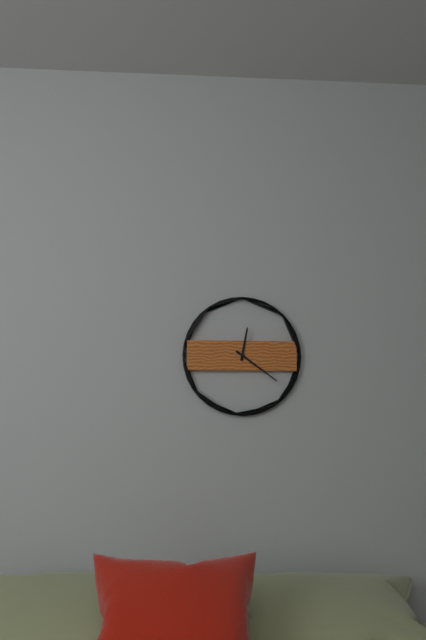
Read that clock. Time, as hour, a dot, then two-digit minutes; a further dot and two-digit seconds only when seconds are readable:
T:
12.21
